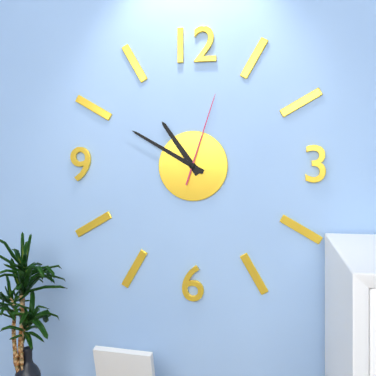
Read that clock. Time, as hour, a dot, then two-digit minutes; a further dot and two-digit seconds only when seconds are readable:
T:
10.50.03
